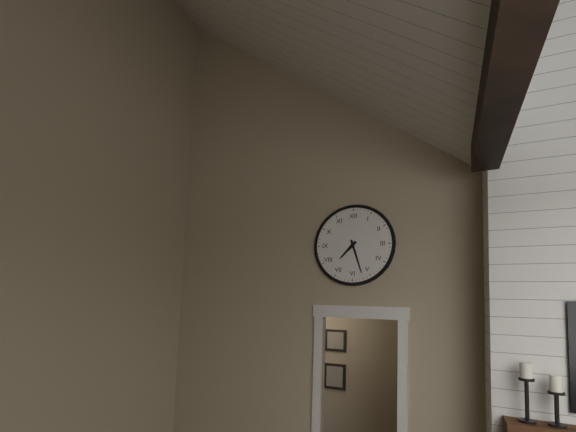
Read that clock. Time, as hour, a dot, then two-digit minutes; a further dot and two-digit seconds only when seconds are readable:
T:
7.27
